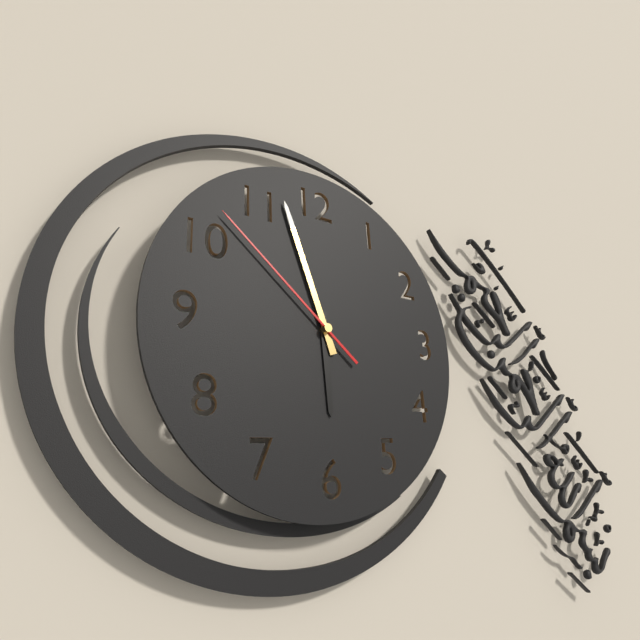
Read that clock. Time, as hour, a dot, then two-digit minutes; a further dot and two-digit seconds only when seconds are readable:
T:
5.57.52
